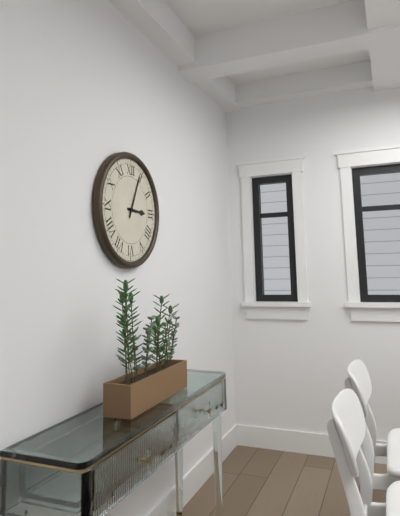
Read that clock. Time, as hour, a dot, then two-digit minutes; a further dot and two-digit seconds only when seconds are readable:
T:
3.04
